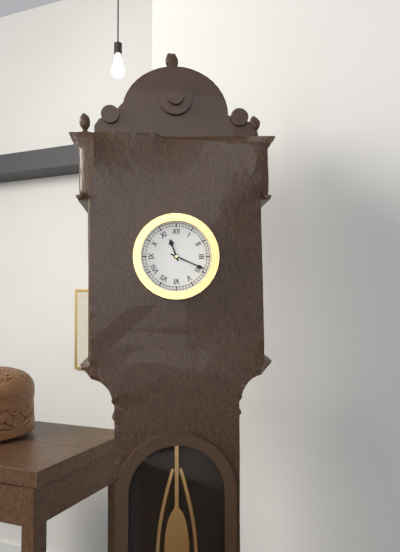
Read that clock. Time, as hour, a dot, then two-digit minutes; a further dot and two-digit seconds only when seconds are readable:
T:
11.19
